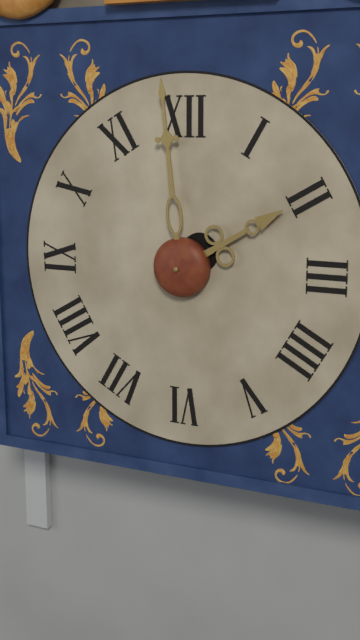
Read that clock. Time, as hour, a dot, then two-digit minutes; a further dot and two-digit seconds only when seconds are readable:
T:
1.59
